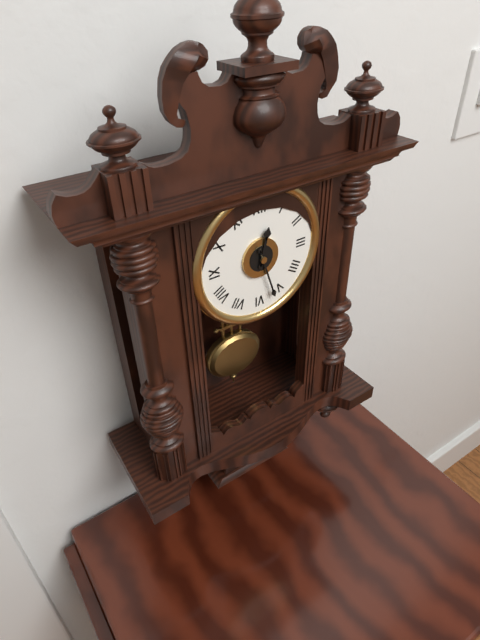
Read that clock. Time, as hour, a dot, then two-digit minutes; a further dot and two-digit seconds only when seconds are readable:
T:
12.27
